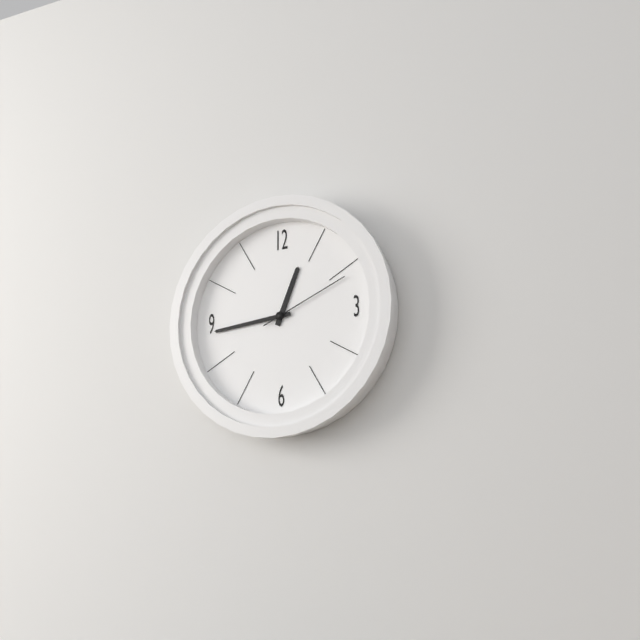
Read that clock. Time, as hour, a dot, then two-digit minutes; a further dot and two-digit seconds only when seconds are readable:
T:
12.44.11
